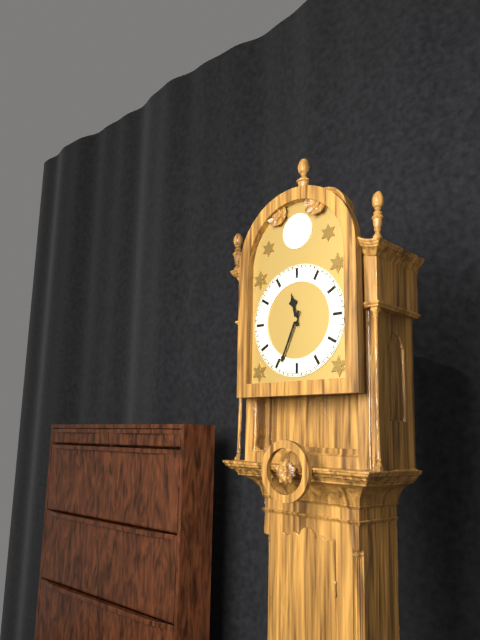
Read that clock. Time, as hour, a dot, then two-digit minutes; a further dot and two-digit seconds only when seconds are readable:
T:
11.34
